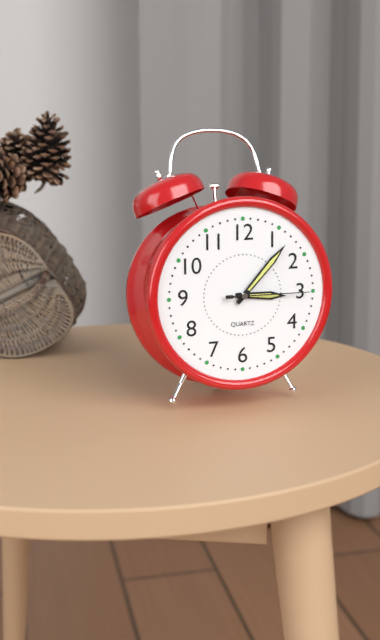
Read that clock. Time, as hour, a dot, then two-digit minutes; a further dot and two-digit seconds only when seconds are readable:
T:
3.07.15
